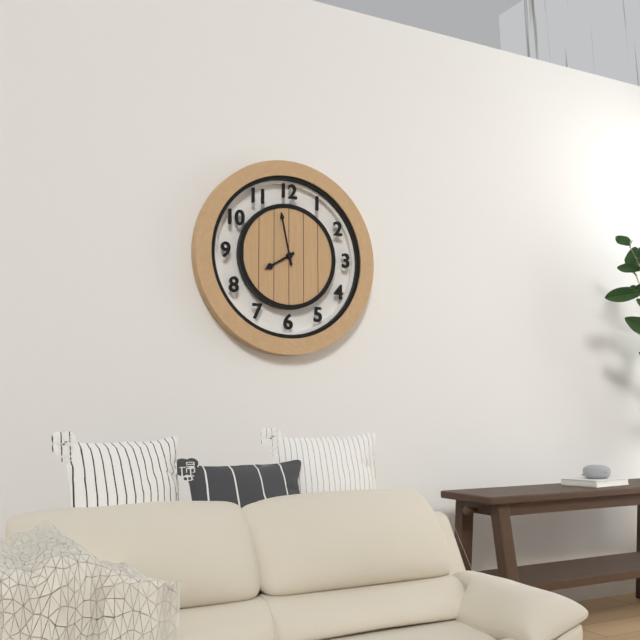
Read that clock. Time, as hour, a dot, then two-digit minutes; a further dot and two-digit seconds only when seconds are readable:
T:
7.58
